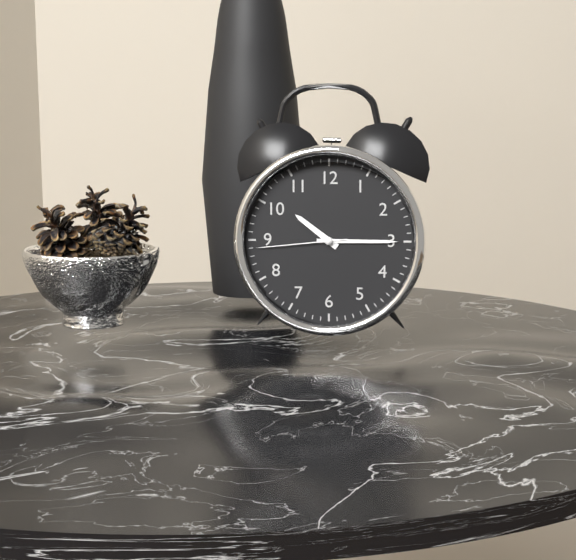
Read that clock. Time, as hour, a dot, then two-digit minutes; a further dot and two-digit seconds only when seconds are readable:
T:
10.15.44
